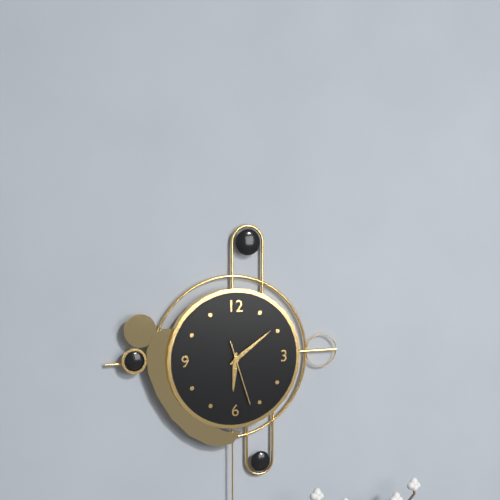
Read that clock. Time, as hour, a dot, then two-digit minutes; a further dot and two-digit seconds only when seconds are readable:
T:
6.09.27
